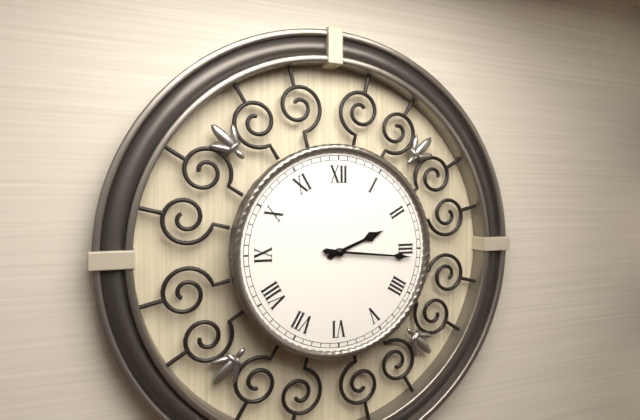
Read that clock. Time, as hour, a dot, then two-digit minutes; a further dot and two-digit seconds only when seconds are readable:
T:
2.16
